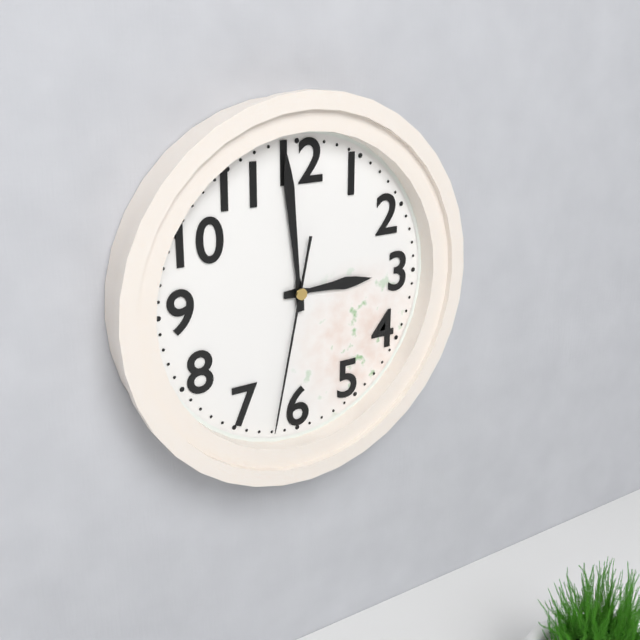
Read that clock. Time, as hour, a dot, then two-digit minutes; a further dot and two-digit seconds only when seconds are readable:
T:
2.59.32
